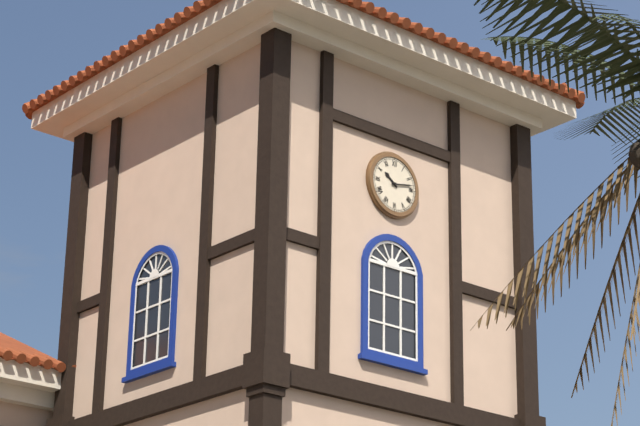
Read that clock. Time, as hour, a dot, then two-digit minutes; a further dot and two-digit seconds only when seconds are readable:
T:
10.13
